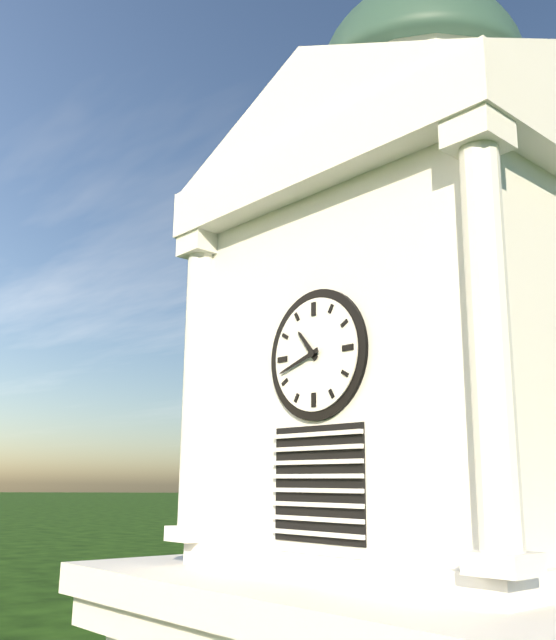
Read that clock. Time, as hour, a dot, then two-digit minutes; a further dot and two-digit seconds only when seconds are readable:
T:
10.42
